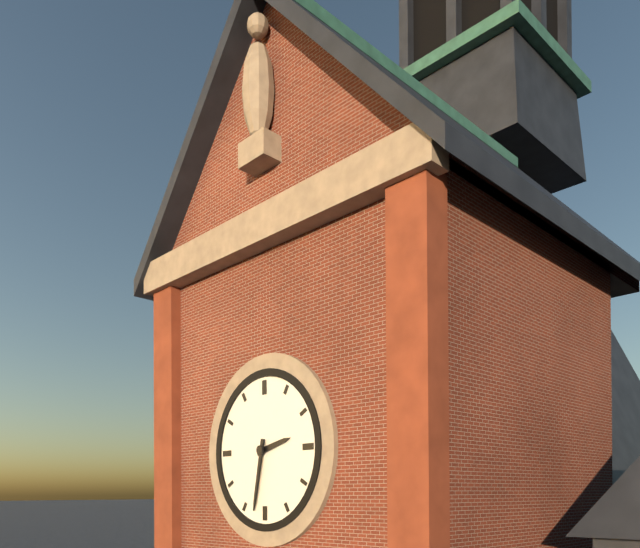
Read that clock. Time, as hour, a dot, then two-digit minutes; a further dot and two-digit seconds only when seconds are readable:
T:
2.32
